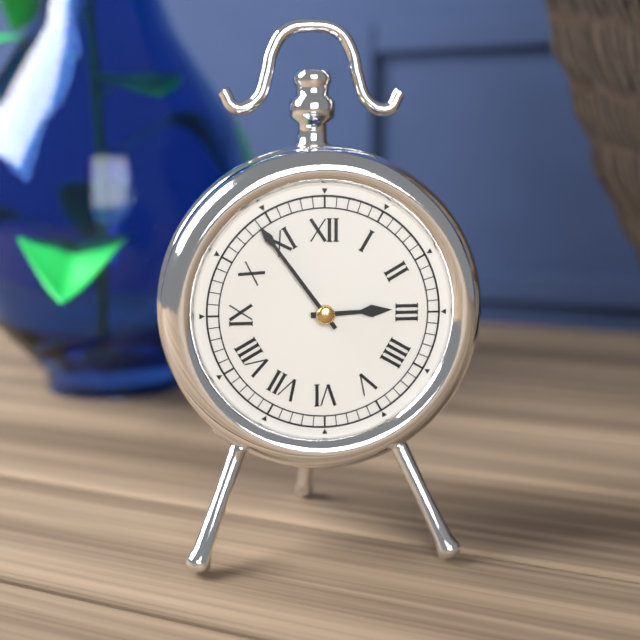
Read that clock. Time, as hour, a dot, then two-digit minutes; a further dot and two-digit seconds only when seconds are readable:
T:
2.54
